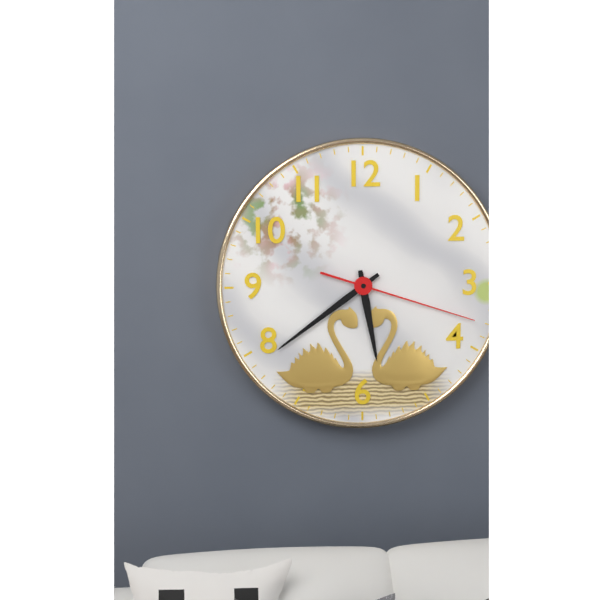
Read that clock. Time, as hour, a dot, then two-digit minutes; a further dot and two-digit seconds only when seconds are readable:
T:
5.39.18
